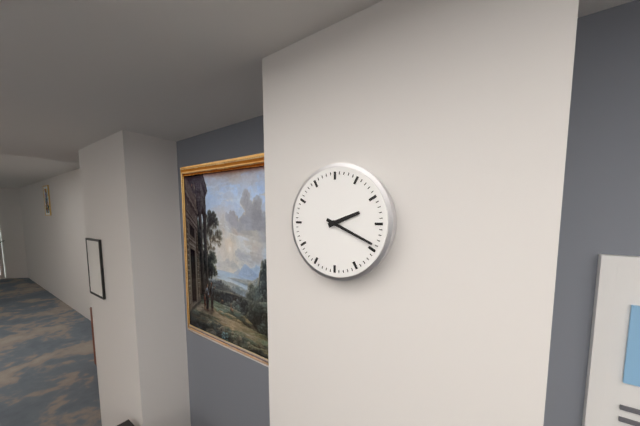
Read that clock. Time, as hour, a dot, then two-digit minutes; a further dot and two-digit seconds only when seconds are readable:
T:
2.19
